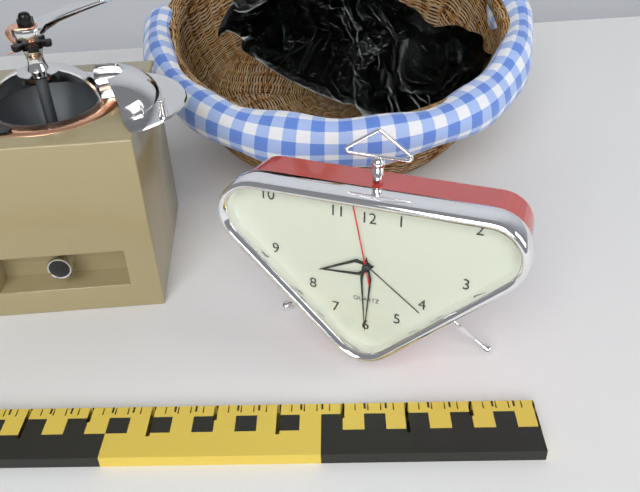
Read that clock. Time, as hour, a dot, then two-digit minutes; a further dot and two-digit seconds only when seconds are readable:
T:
8.30.58
